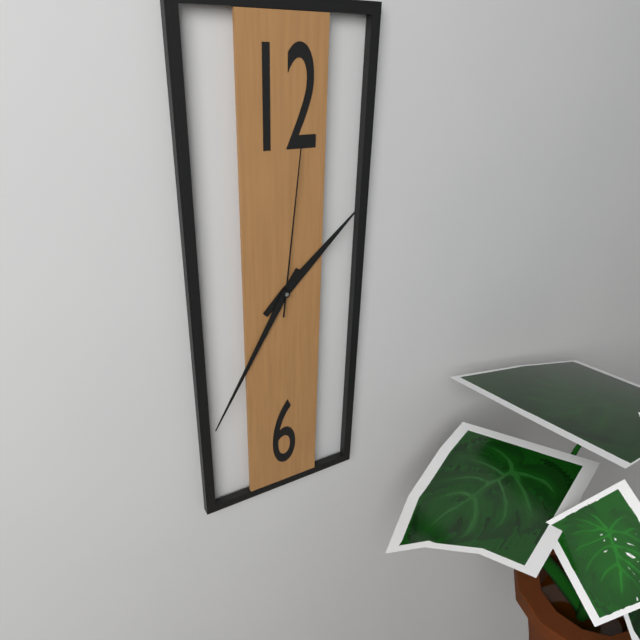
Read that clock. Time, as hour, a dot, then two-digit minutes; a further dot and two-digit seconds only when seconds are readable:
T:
1.35.01
